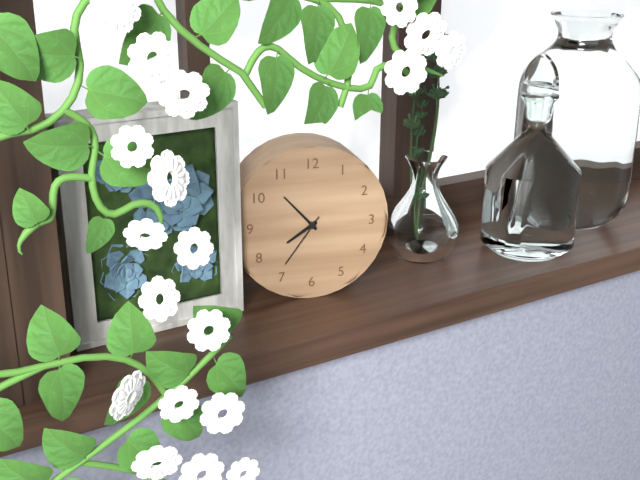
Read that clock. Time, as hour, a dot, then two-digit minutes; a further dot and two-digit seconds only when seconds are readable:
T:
7.53.36
